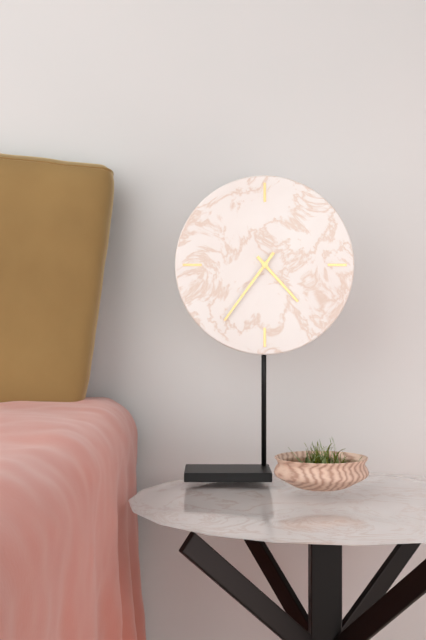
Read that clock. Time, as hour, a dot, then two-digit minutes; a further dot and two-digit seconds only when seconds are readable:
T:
4.36
